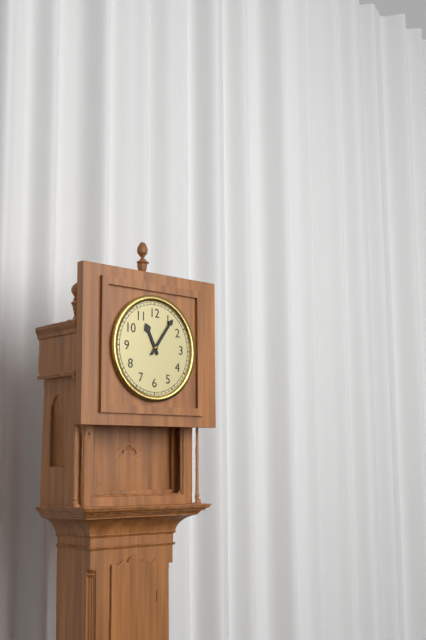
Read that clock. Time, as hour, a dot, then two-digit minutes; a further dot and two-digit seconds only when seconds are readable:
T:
11.06
